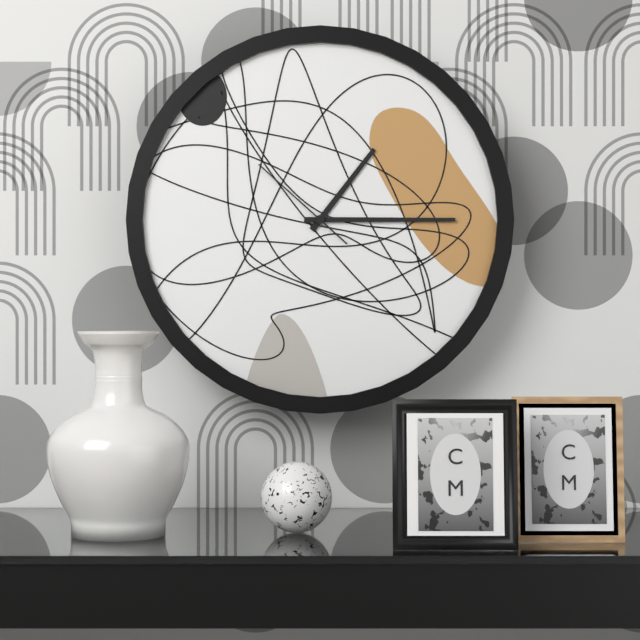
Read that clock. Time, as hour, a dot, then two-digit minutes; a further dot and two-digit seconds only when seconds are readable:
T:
1.15.52
